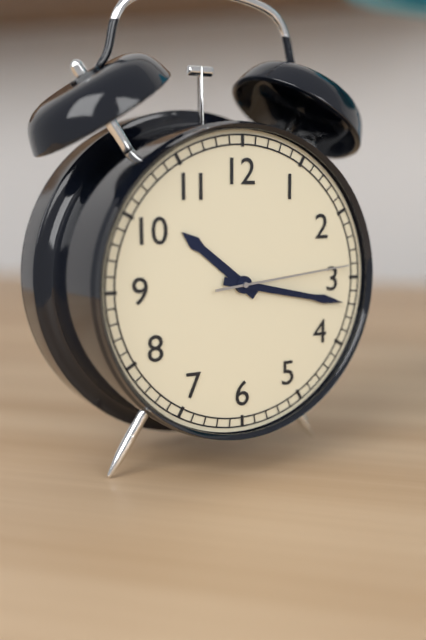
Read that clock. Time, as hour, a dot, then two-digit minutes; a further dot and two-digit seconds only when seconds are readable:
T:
10.17.14
